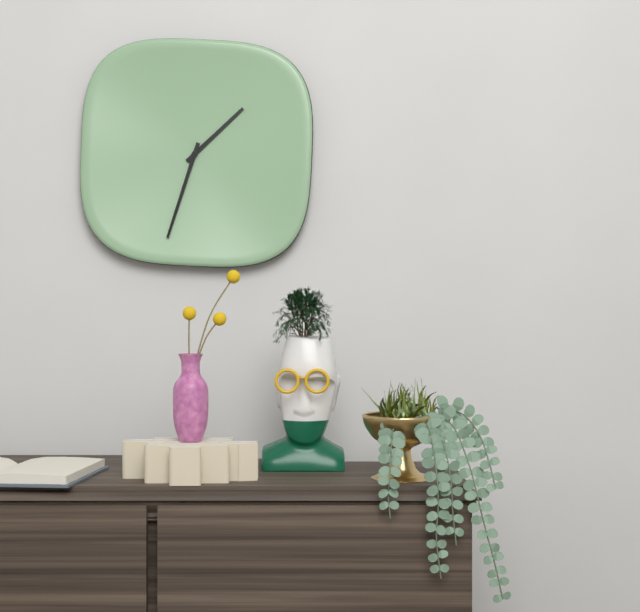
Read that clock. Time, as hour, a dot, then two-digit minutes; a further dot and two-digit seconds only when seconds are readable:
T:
1.33
